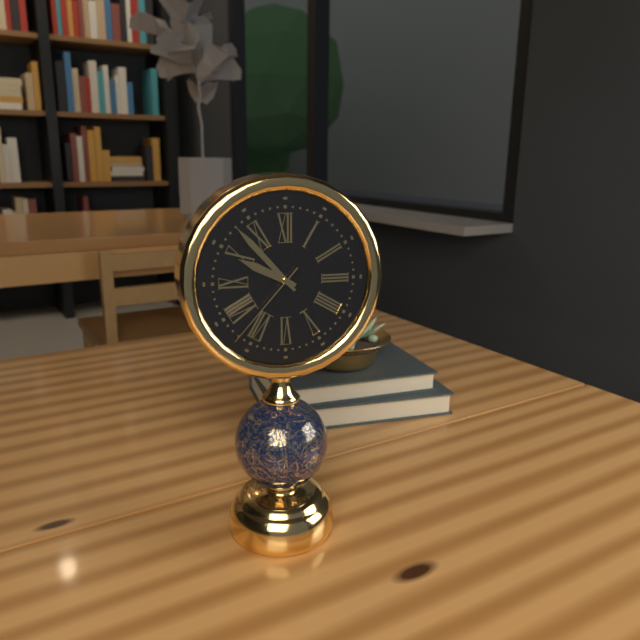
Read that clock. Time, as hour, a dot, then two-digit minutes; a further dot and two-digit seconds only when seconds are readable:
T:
9.53.37
